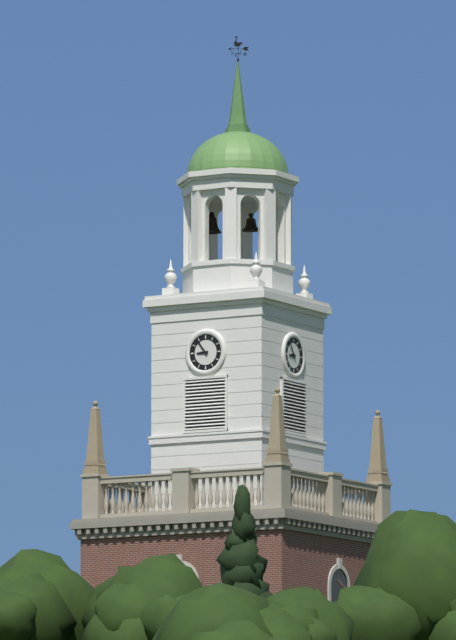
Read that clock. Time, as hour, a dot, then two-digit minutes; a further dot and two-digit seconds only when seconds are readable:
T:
8.54
